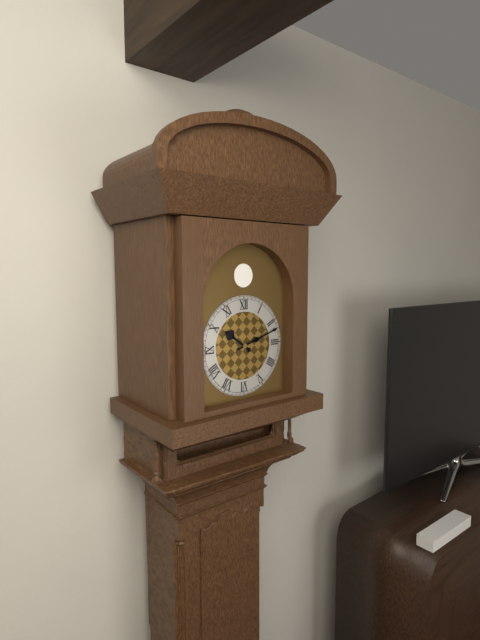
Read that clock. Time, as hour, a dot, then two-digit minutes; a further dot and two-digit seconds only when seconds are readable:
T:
10.12
